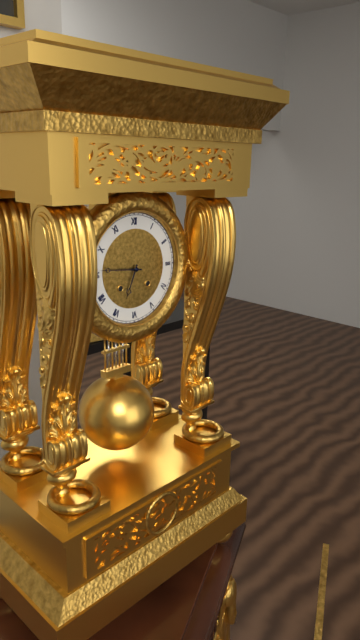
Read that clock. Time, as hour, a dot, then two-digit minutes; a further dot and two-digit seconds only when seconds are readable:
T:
6.46
